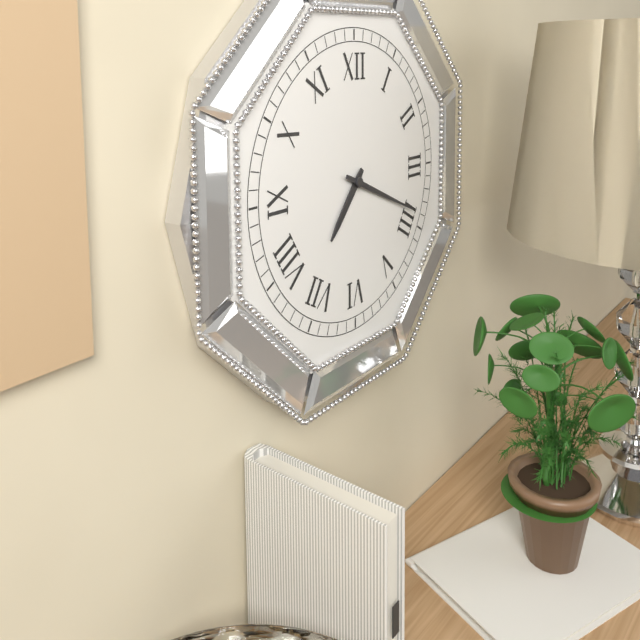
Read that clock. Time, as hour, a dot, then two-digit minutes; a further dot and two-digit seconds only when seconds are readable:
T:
7.19
